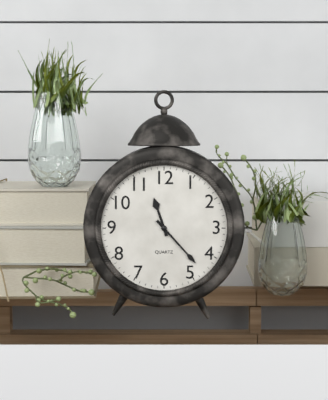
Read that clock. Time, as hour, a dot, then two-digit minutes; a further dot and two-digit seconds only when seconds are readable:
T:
11.23
